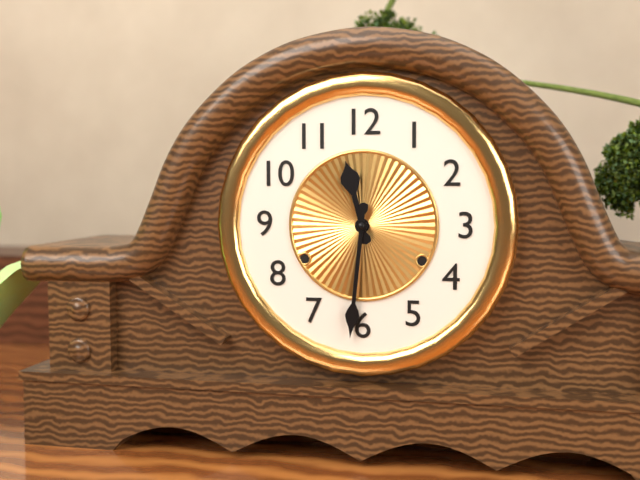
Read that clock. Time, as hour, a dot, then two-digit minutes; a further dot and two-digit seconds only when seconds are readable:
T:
11.31
